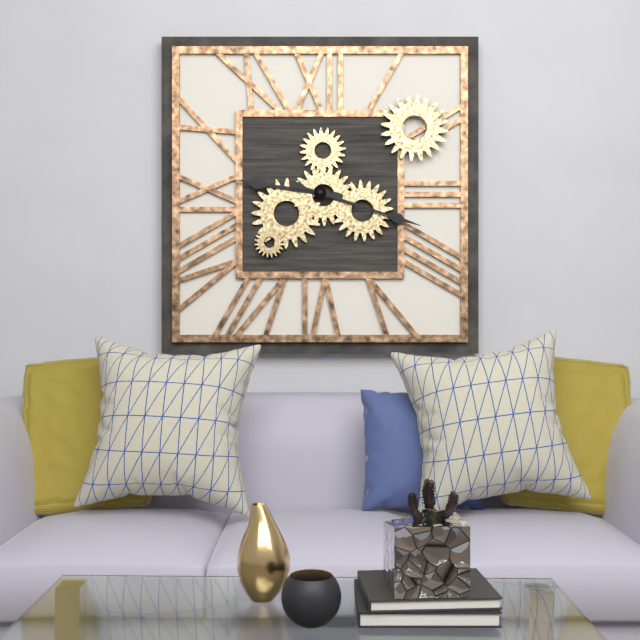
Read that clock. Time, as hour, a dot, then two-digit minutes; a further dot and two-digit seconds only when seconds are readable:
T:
9.18
